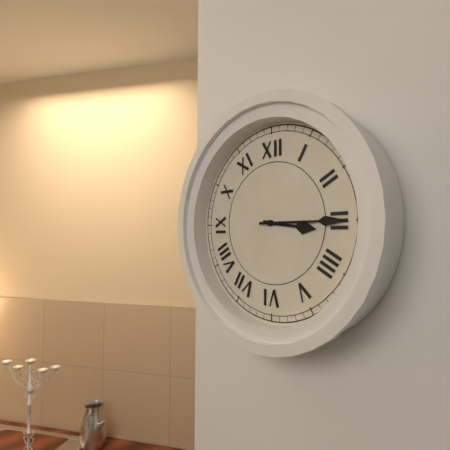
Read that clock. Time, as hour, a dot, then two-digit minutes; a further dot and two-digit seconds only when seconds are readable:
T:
3.15
